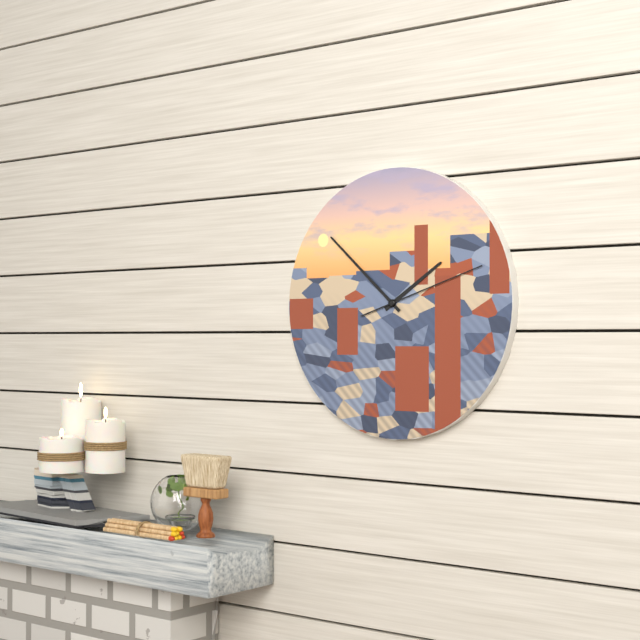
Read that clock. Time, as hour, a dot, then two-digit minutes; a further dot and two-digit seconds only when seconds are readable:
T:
1.52.12
